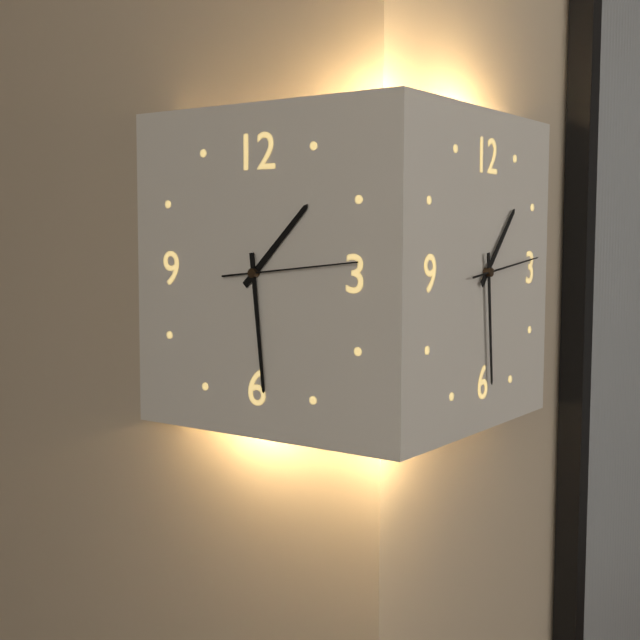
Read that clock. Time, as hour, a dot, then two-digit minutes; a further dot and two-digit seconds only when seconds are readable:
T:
1.29.14
